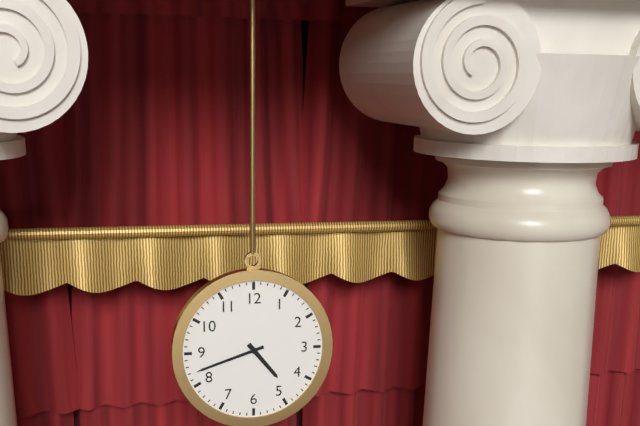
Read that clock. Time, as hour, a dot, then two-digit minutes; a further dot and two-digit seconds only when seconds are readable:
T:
4.42
